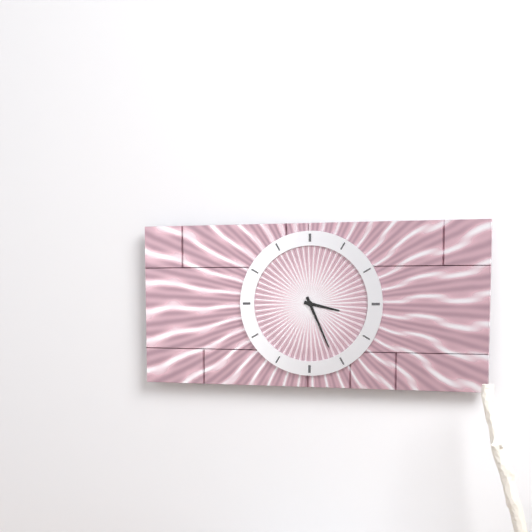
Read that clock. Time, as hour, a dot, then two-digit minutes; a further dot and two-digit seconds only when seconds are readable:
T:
3.26
